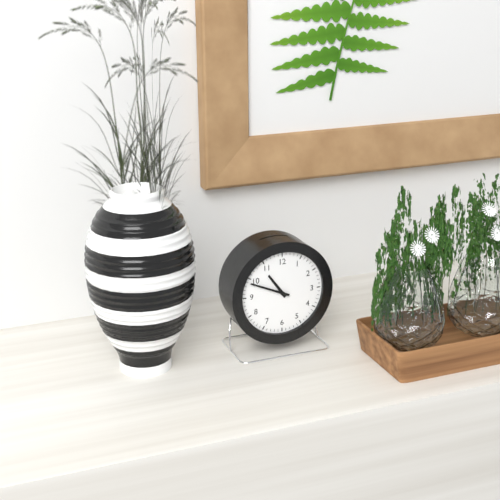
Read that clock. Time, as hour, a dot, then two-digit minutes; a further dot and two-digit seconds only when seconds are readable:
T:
10.49
